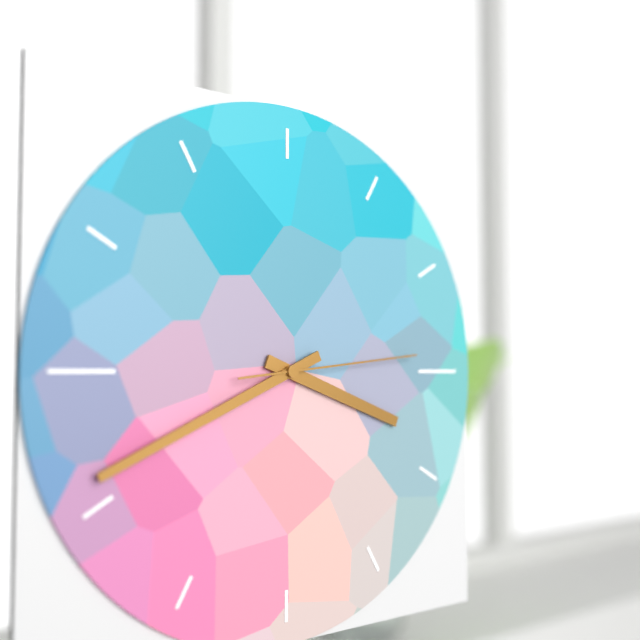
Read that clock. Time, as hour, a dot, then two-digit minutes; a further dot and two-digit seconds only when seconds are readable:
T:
3.41.14
